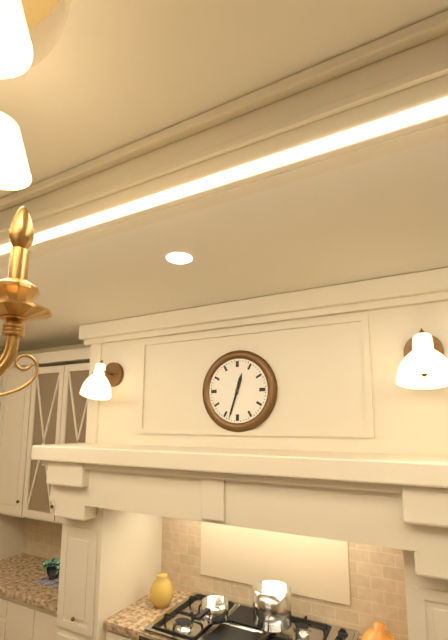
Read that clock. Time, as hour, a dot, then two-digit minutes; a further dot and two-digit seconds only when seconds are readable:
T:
12.33
